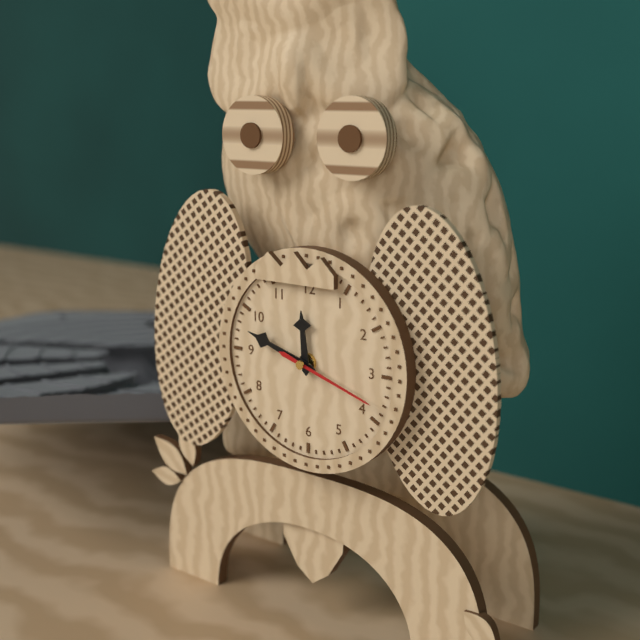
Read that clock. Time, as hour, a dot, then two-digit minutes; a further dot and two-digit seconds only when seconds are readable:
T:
11.48.18
